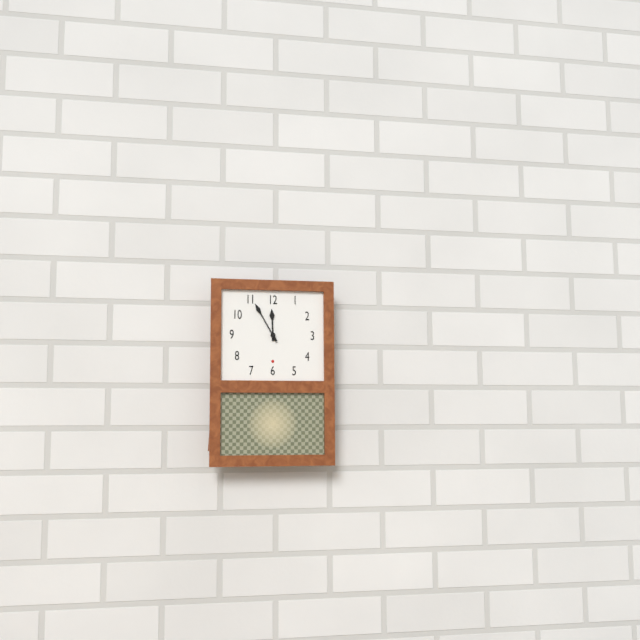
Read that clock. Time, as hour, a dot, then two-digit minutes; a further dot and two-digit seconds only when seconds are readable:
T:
11.55
